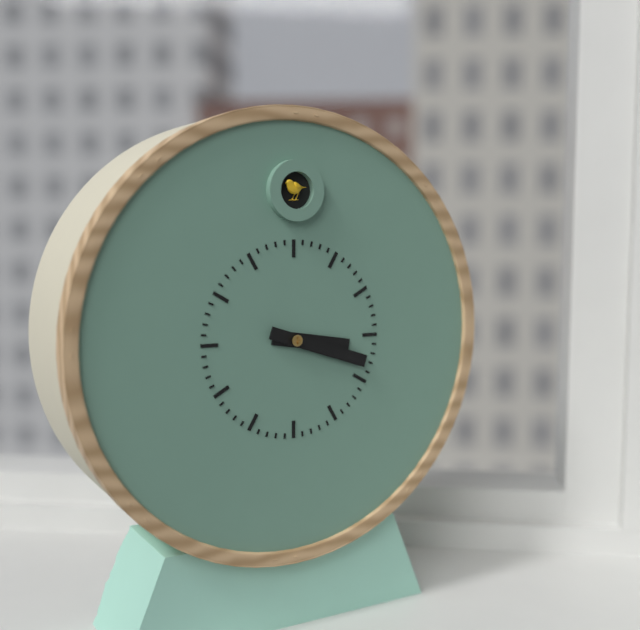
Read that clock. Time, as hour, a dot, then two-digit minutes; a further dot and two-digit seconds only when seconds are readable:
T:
3.18
